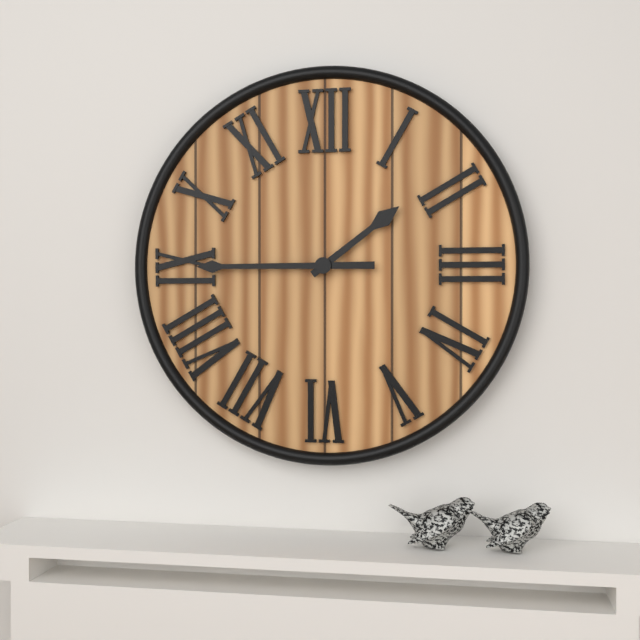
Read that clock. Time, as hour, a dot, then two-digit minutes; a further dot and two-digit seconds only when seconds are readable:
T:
1.45
